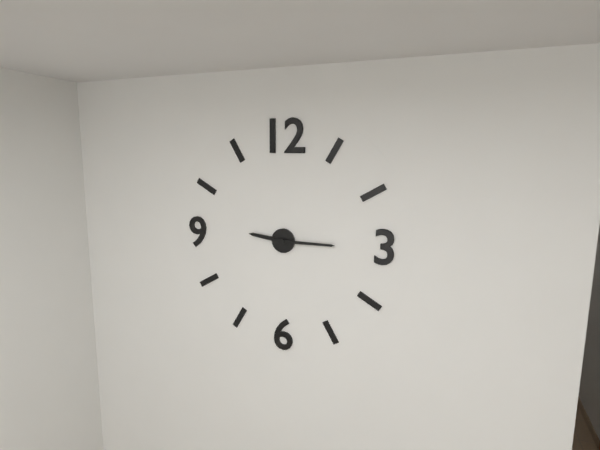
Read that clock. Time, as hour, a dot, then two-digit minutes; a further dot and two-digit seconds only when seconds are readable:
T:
9.15
